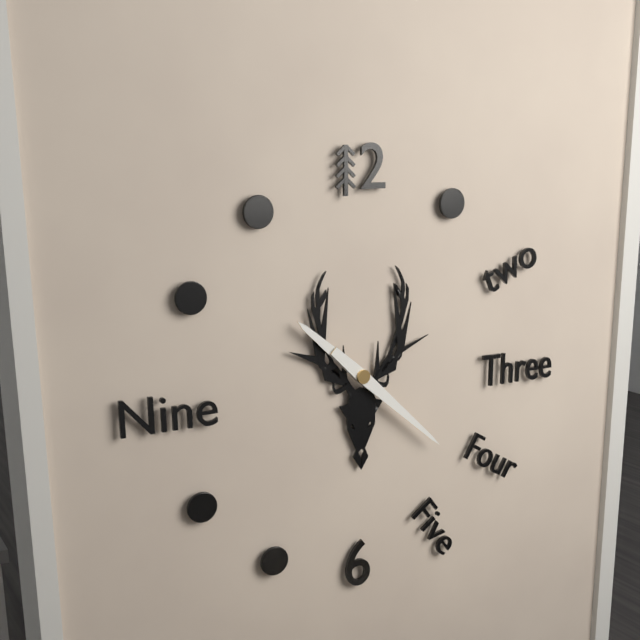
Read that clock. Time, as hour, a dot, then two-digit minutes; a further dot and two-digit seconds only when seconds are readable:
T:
10.22
